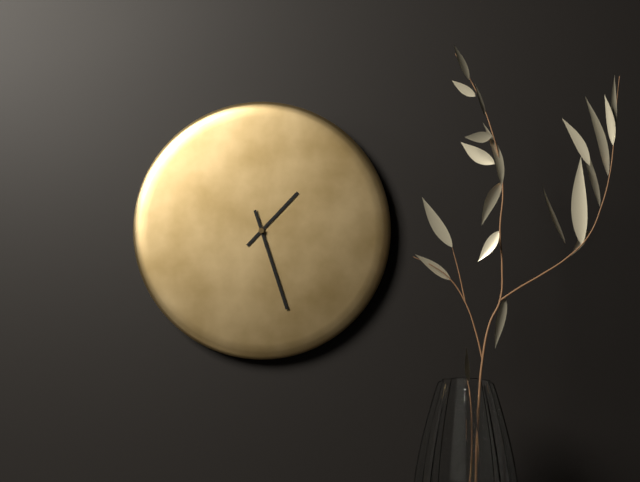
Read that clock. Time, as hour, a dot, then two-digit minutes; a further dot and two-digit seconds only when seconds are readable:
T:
1.27
